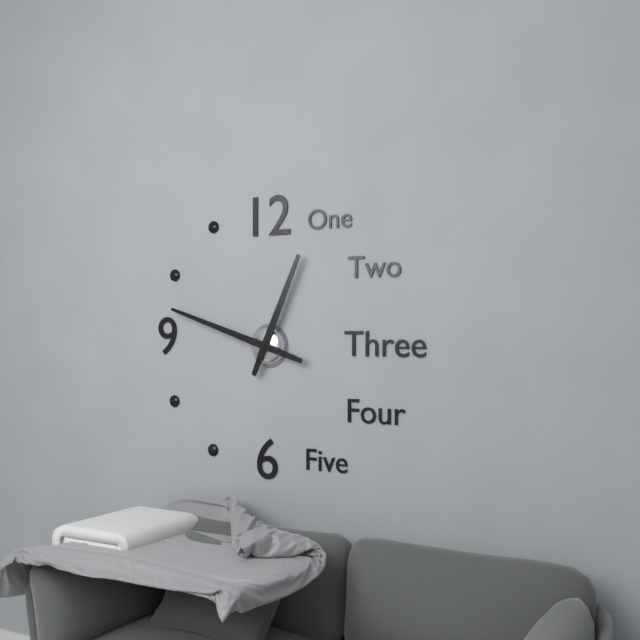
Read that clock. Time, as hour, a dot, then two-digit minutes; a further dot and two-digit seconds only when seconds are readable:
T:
12.48
